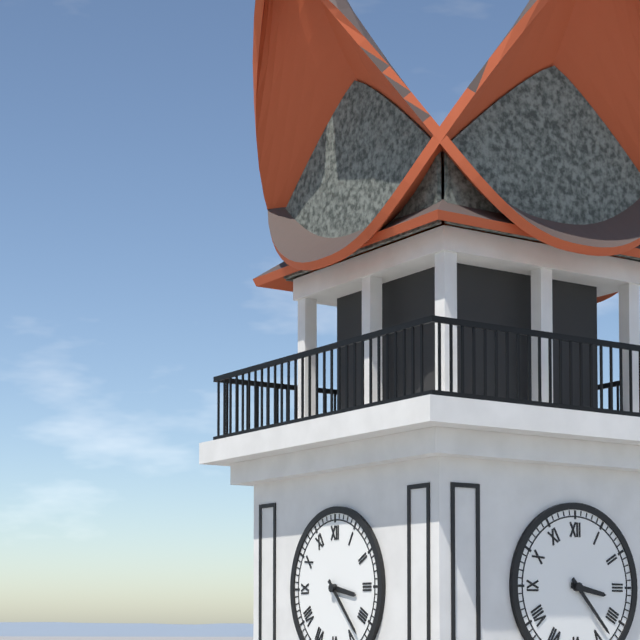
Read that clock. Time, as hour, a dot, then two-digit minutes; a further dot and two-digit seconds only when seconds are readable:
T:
3.23
